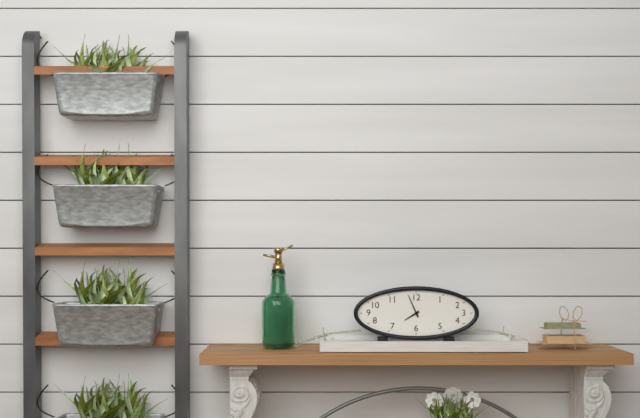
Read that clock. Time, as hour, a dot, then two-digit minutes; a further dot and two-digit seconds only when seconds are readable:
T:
7.56
